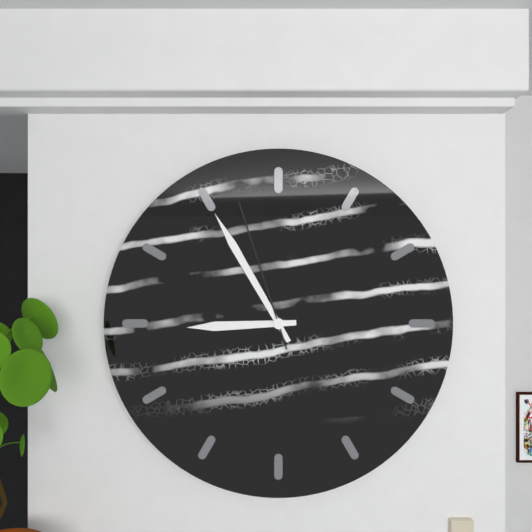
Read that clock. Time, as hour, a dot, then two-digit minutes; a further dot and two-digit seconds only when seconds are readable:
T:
8.55.57
